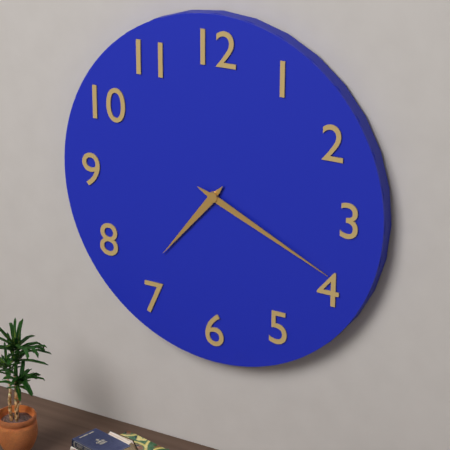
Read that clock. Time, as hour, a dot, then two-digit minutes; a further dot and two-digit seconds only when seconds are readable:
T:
7.19
